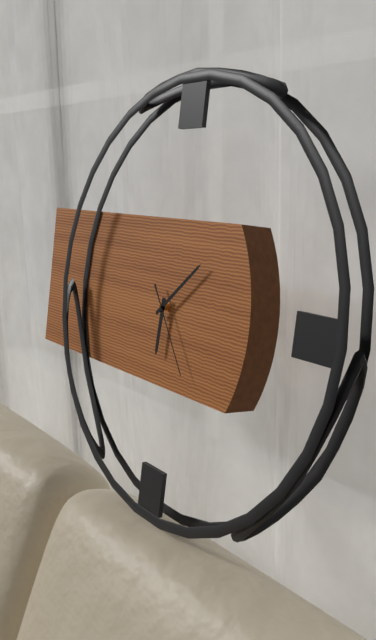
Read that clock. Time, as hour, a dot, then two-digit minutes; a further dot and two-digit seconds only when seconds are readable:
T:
6.08.24
